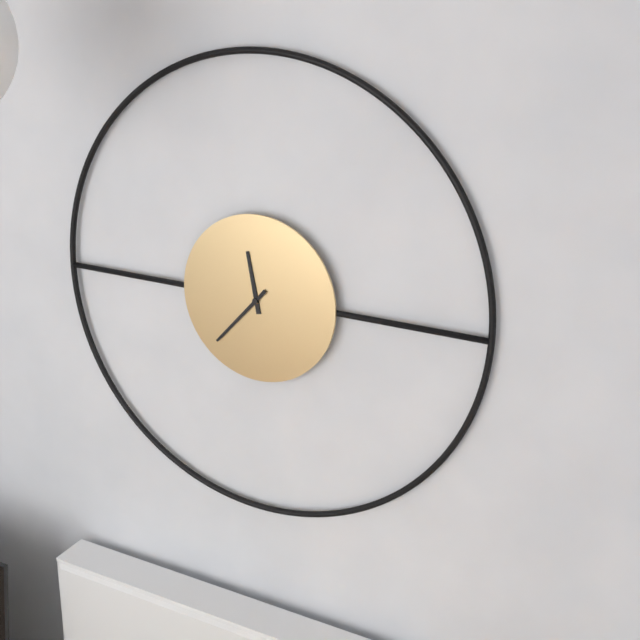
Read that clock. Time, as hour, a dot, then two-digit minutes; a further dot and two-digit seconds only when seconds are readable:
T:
11.37
